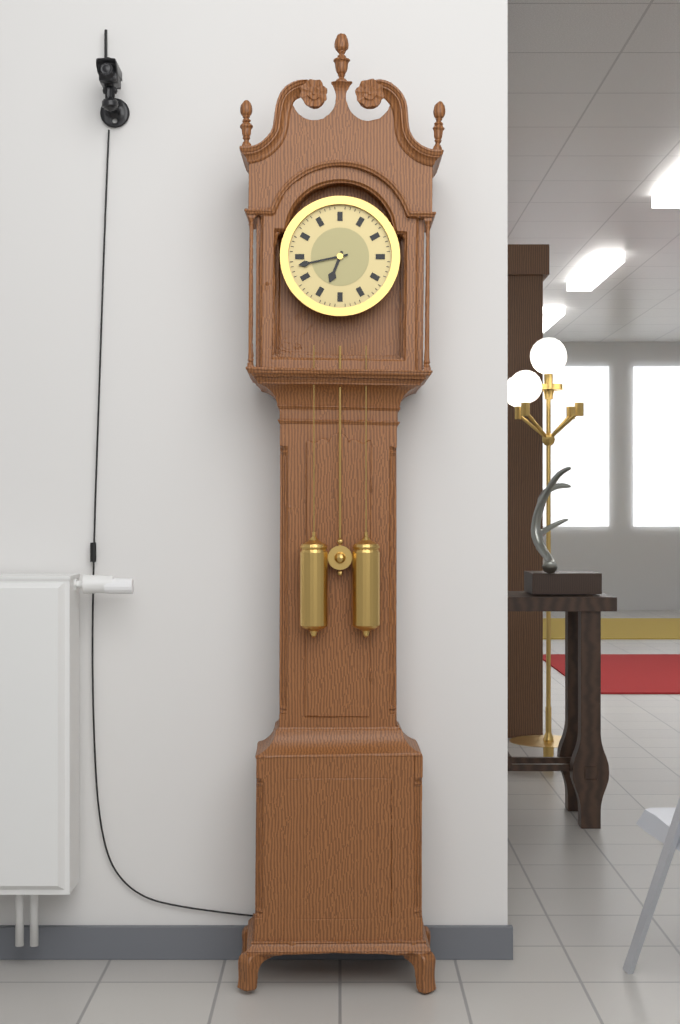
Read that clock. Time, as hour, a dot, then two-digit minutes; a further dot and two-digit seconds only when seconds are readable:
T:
6.43
